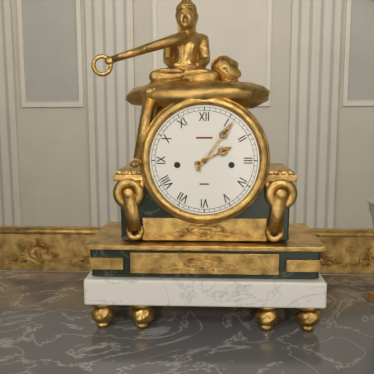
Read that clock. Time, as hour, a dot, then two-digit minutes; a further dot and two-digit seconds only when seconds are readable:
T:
2.06
